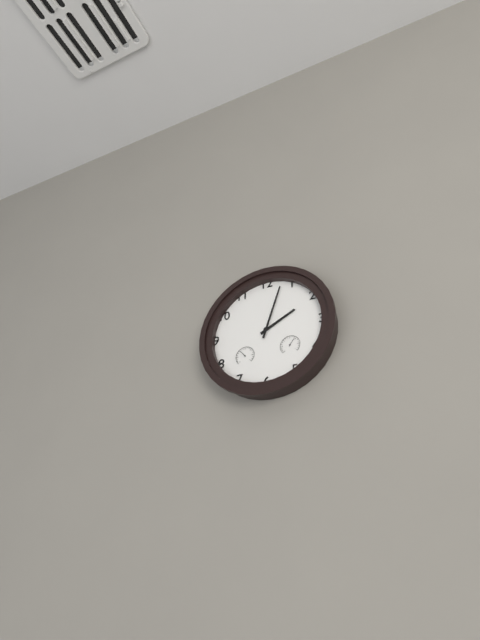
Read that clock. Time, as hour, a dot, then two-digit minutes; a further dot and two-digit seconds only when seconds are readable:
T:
2.03
